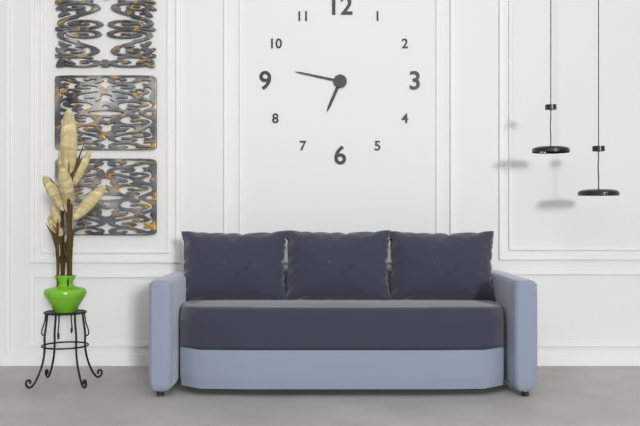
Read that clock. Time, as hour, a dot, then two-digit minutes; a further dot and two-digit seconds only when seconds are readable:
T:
6.47
